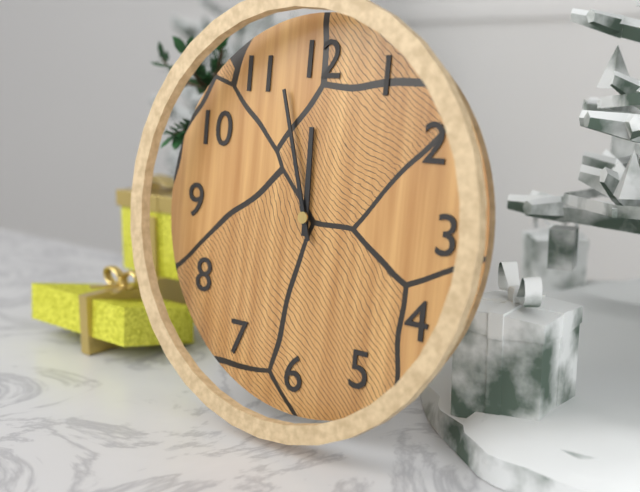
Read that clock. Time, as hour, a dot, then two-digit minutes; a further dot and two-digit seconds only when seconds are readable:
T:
11.57
